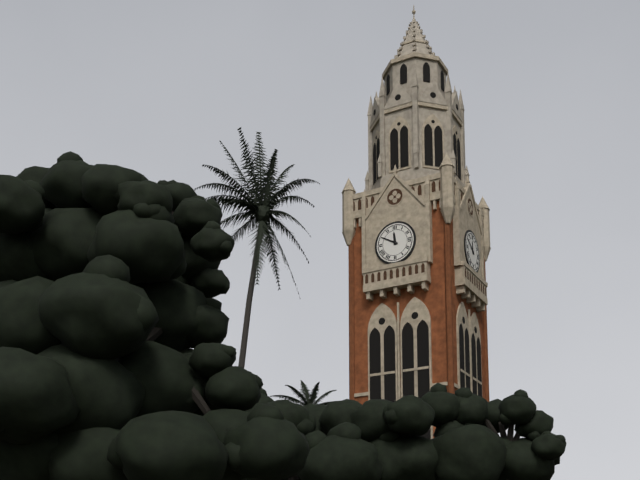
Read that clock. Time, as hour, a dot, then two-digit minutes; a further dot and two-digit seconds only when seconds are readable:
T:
11.50
